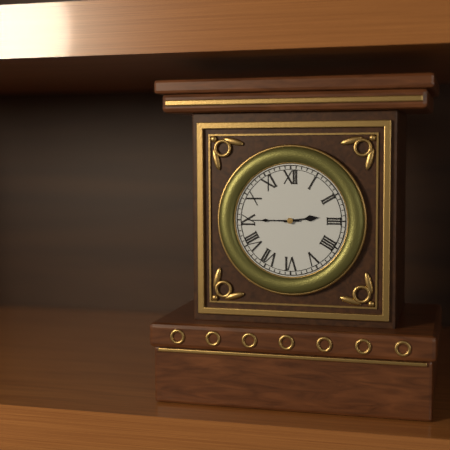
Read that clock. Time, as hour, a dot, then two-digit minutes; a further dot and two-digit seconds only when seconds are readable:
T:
2.45
